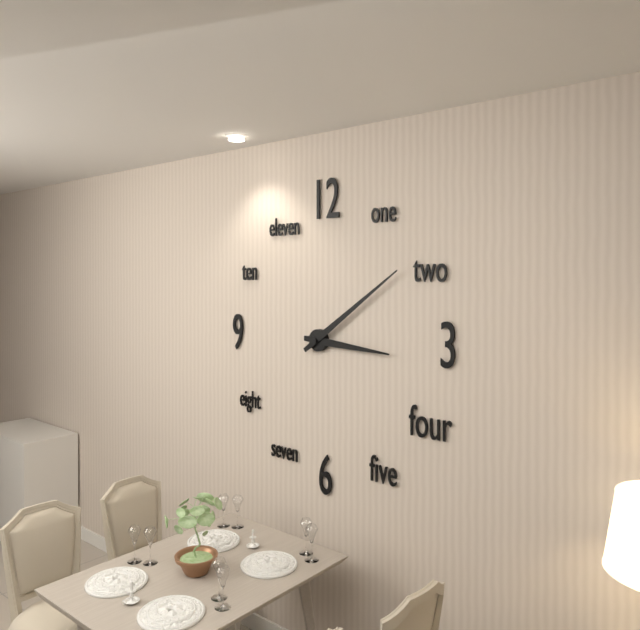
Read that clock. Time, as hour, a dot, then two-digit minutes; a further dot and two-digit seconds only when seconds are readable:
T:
3.09
